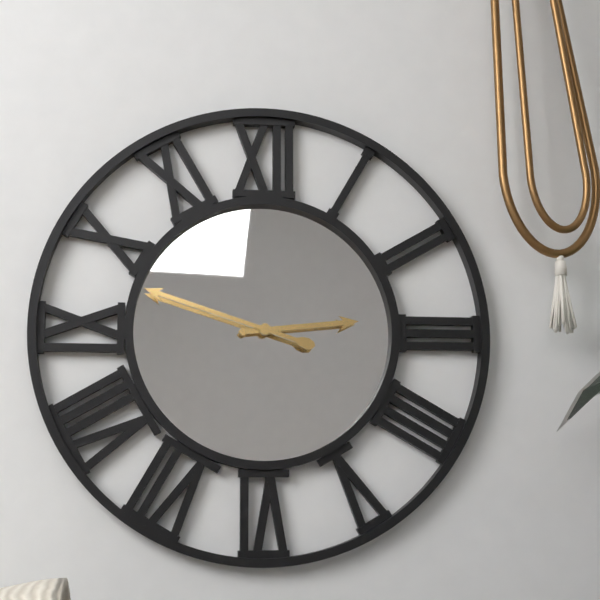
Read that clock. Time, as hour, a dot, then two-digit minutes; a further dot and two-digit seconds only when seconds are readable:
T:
2.48
